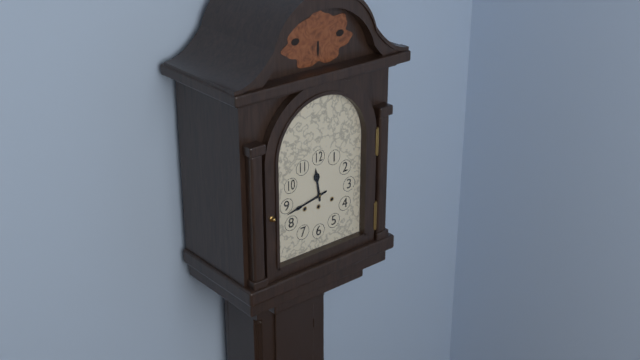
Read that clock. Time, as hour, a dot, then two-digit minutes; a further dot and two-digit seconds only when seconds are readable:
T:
11.43
